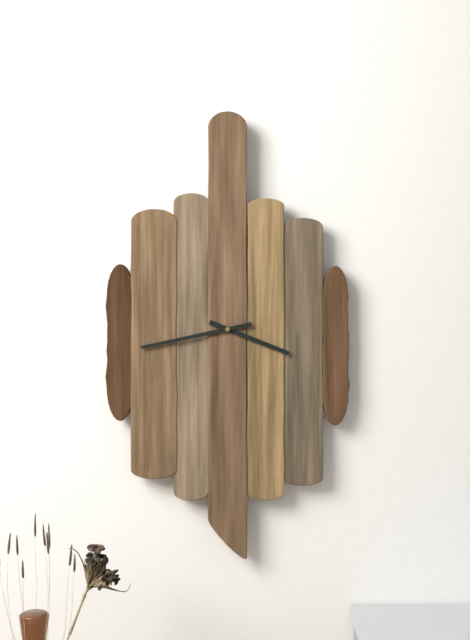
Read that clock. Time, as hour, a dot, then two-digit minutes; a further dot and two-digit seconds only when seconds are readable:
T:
3.43
